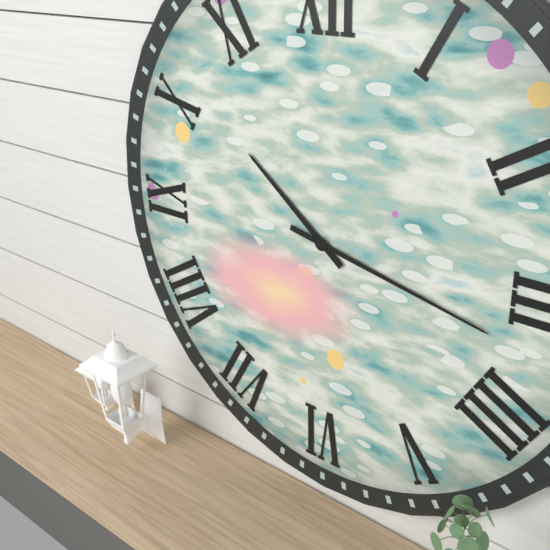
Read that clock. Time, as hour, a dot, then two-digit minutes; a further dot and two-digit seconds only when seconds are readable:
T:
10.17
